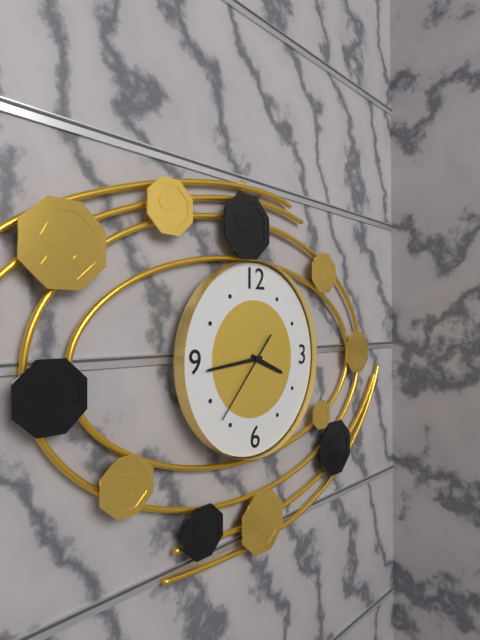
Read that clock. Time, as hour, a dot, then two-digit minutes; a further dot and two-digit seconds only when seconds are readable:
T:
3.44.37
